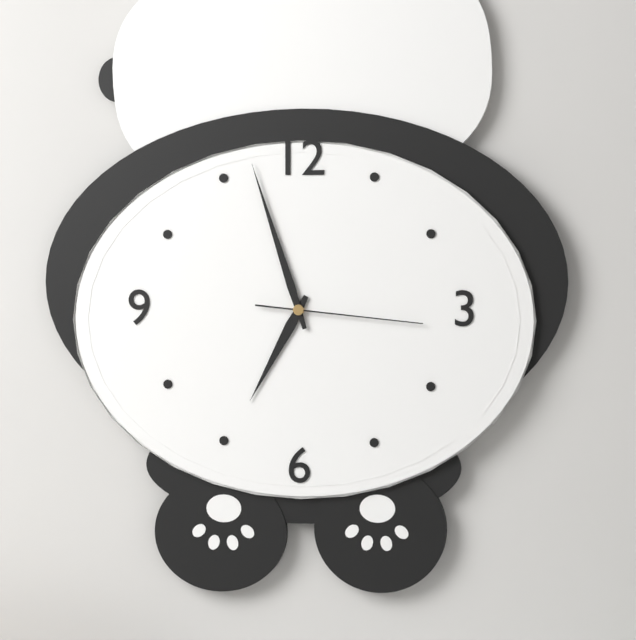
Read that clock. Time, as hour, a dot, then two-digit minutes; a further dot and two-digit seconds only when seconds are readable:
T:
6.57.16
